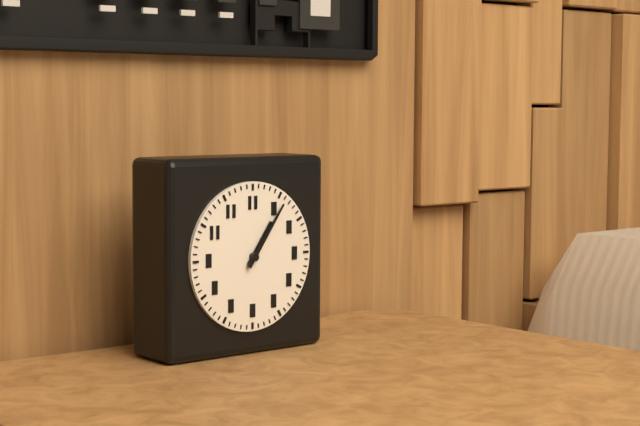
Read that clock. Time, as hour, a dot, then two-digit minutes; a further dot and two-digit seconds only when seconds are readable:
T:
1.06
